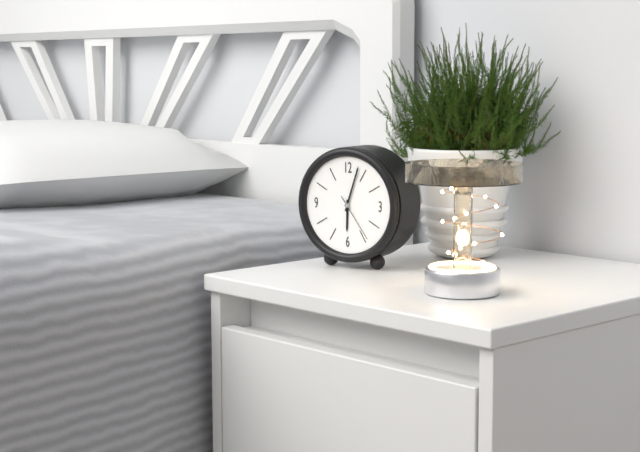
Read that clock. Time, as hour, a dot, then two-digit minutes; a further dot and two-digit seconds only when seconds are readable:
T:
6.03
